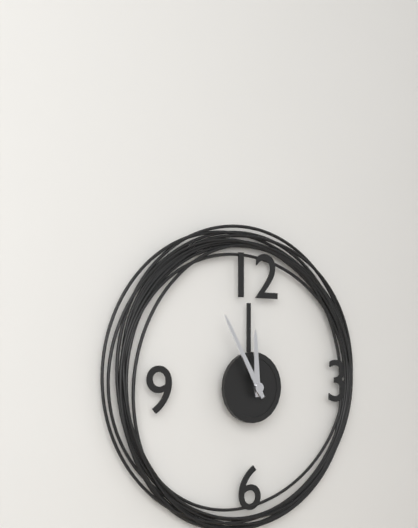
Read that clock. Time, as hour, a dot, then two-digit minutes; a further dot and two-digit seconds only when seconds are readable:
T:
11.55
